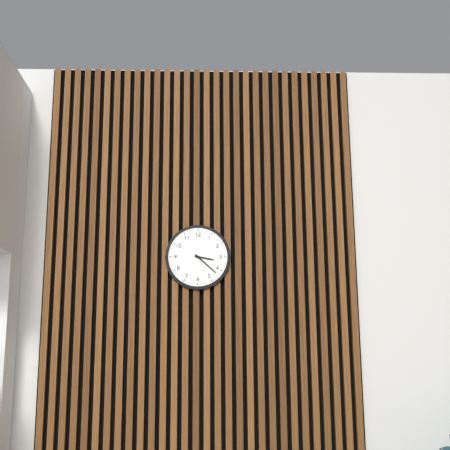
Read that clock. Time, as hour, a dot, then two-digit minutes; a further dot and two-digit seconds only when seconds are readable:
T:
3.22
